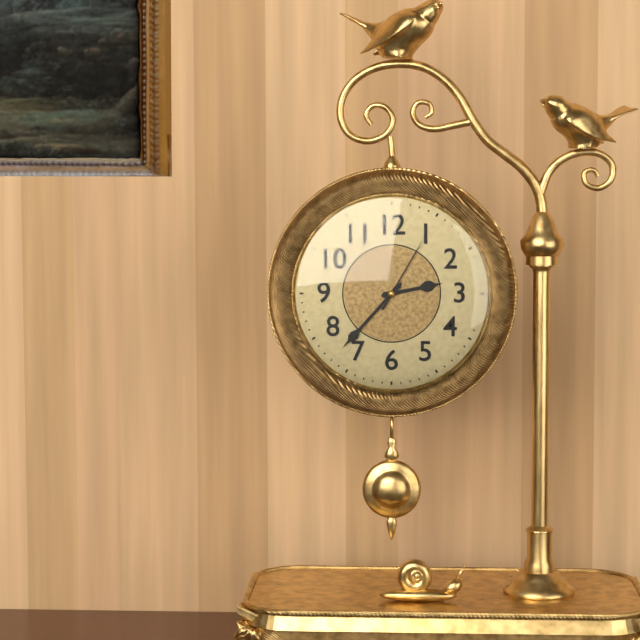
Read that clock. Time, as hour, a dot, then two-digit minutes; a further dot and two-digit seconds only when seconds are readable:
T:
2.37.05
